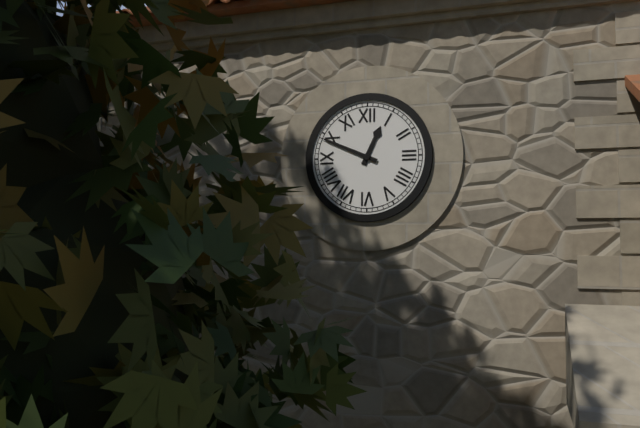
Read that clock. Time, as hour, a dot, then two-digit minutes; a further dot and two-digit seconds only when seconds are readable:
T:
12.49
